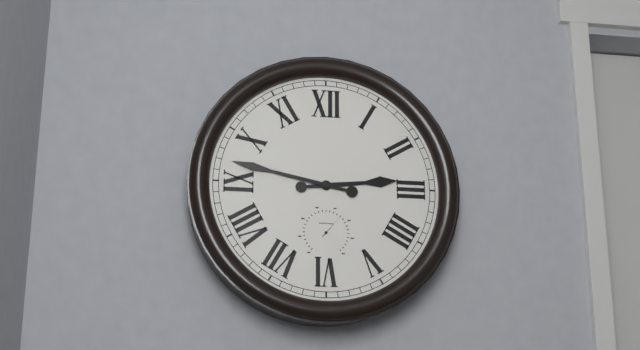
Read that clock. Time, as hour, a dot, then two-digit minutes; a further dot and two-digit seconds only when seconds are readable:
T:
2.47
